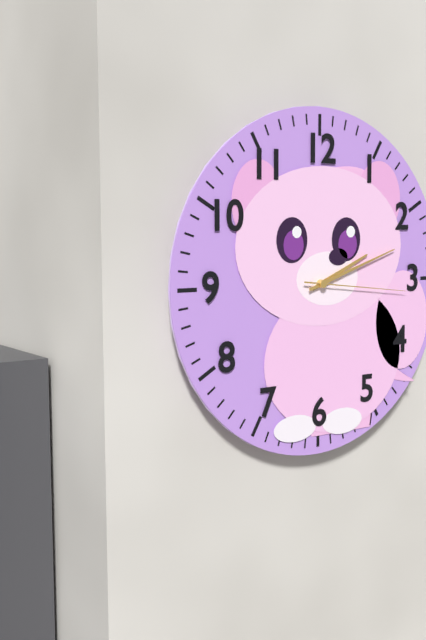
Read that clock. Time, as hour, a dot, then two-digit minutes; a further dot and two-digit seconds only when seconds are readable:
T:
2.12.16
